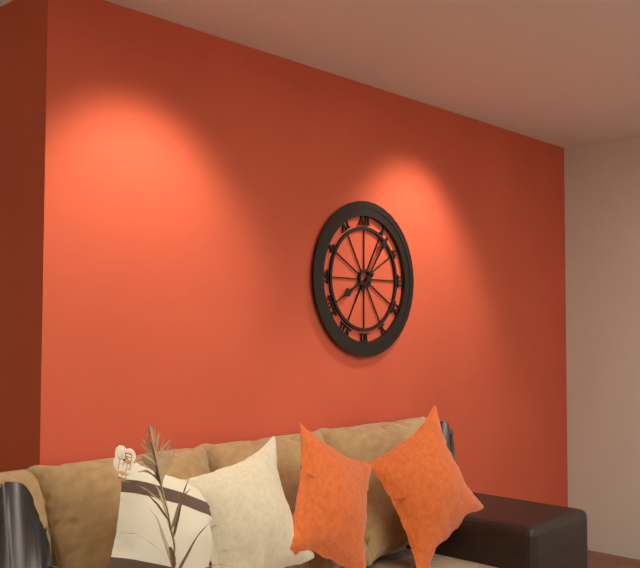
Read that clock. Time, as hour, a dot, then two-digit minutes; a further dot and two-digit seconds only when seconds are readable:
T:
8.06
